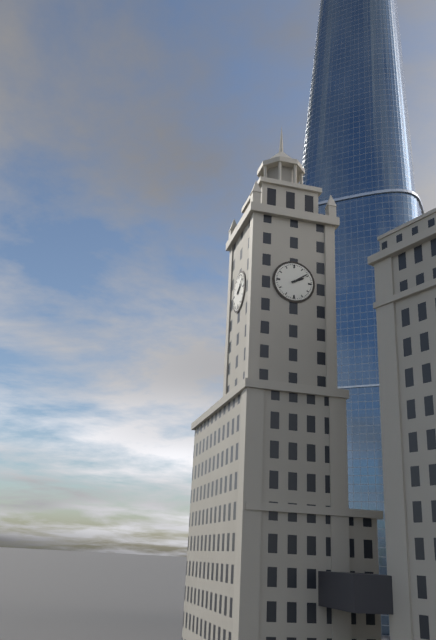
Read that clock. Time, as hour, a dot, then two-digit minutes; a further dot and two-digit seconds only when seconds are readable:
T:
2.09
